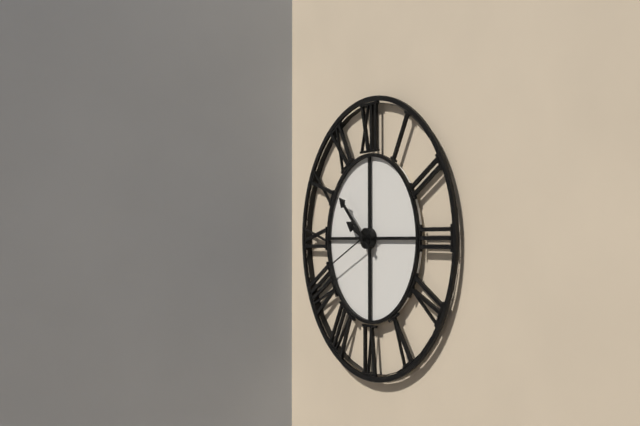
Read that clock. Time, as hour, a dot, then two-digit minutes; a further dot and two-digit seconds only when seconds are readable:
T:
9.52.41
